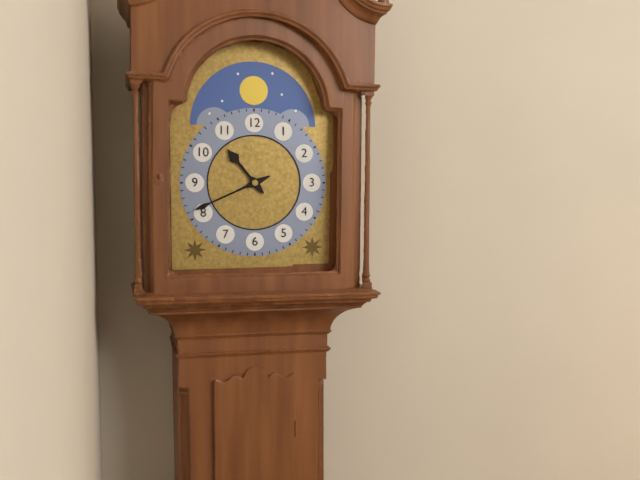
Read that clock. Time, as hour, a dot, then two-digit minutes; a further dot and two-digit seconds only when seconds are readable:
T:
10.41
